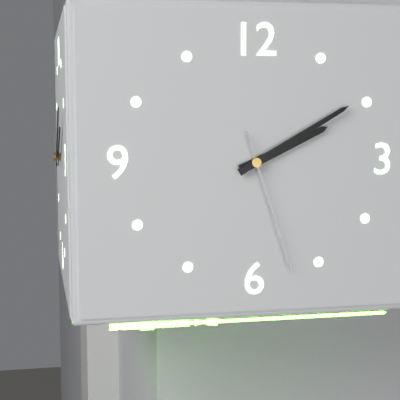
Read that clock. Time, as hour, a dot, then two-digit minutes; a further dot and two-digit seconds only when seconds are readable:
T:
2.10.27
